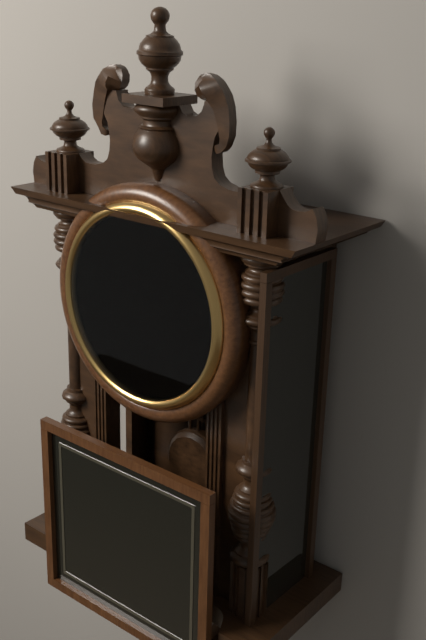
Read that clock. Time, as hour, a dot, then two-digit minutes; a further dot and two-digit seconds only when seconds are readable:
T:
8.23
